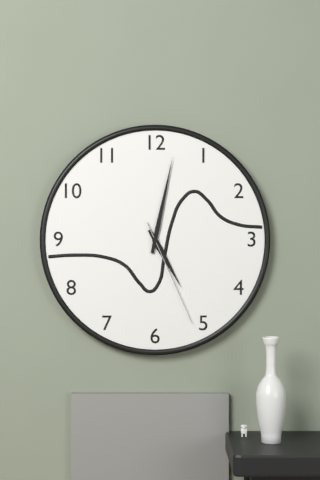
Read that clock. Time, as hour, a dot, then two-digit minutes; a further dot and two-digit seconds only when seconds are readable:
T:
5.02.26
